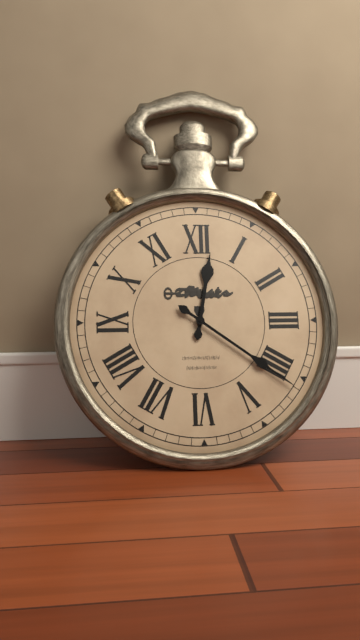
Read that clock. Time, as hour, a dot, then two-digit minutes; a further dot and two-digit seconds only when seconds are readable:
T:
12.21
